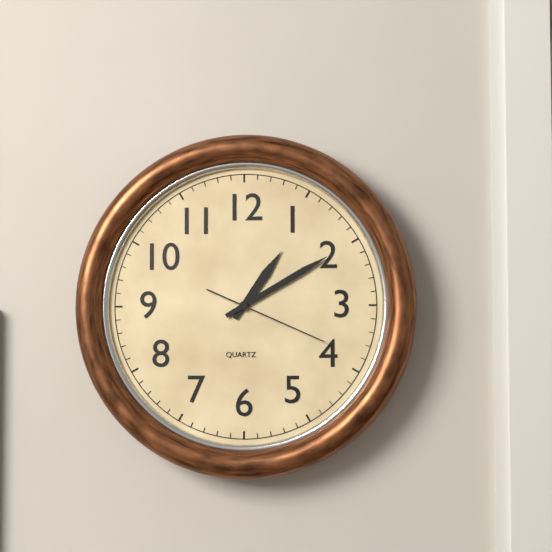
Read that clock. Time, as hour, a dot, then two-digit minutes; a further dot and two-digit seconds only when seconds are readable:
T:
1.10.19
